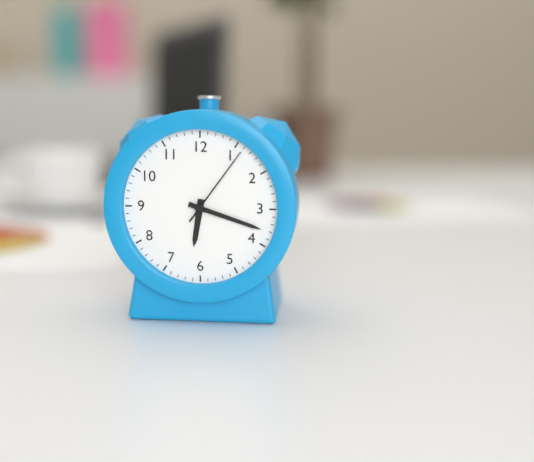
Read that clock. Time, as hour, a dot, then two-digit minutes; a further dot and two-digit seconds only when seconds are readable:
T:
6.18.06
